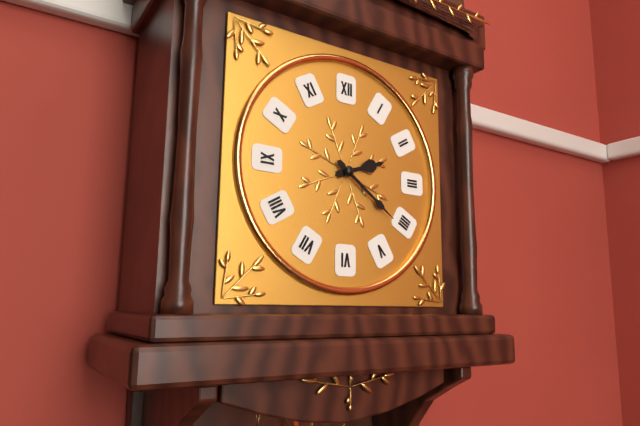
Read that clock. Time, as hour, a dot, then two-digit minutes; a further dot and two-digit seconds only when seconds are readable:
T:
2.21
